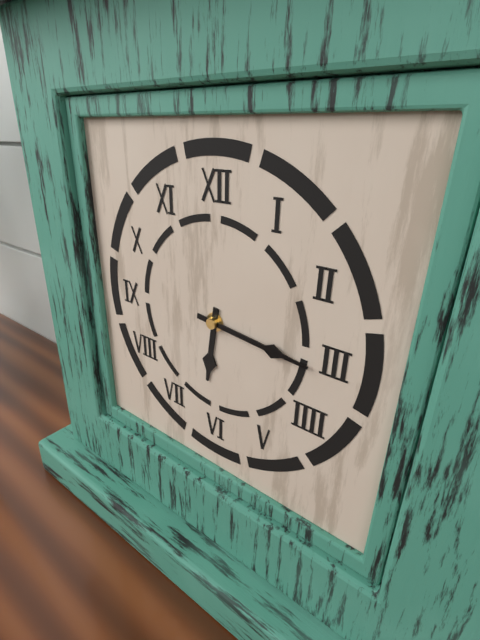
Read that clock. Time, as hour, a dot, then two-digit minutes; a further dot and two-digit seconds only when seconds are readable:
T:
6.16
